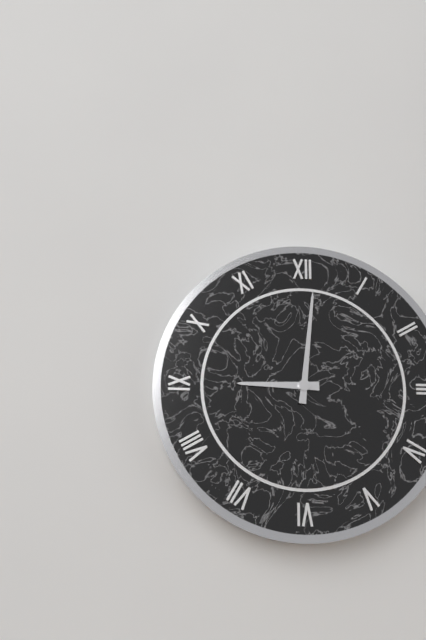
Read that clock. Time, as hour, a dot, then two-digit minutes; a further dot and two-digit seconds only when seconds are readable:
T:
9.01
